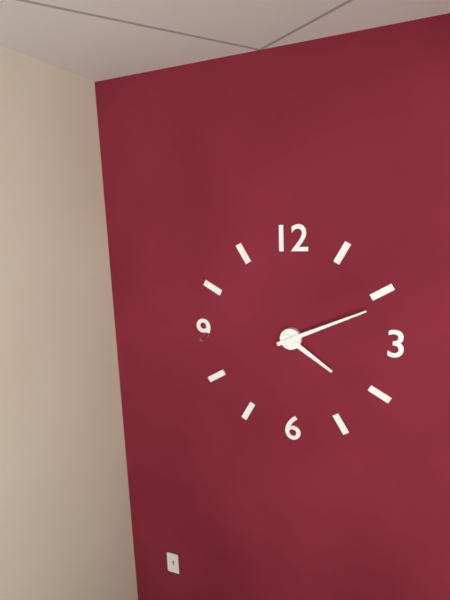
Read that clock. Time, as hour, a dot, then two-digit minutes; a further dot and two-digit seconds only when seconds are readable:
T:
4.11
